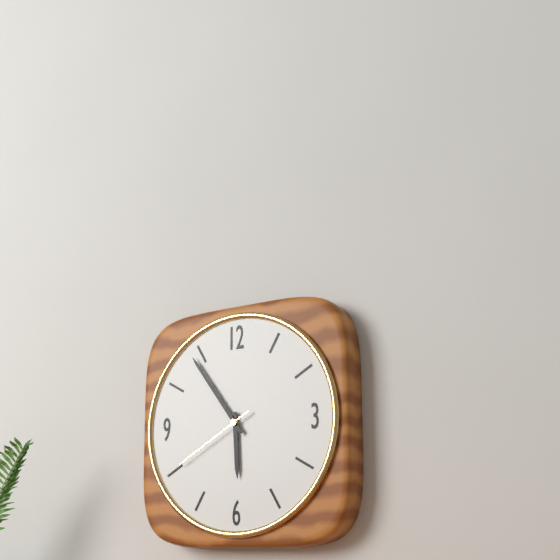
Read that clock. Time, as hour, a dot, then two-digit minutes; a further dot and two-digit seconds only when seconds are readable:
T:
5.54.40
